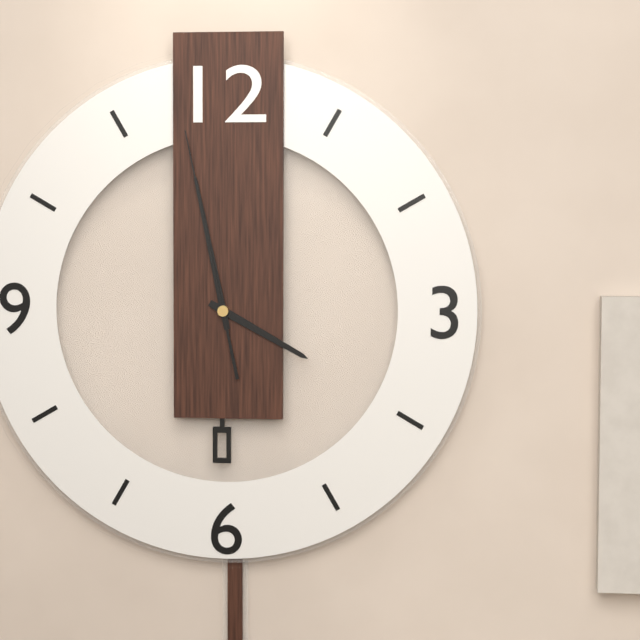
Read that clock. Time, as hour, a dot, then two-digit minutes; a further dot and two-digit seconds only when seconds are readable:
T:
3.58.58
